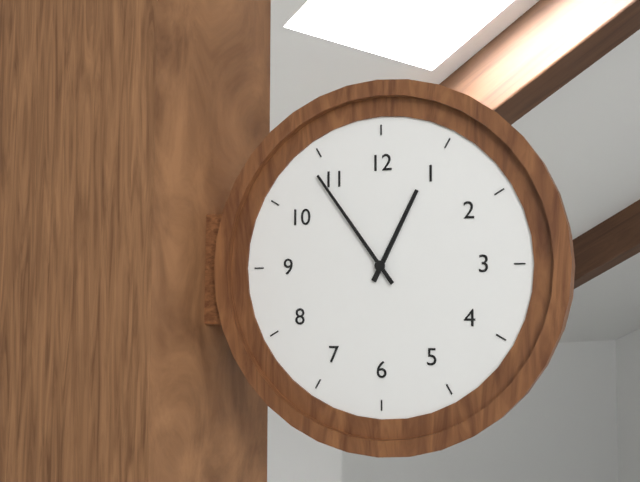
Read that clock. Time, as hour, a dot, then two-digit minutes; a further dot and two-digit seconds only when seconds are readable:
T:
12.54
